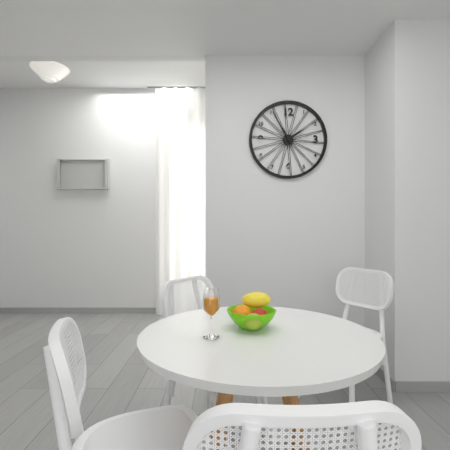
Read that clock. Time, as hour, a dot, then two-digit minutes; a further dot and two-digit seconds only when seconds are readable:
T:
1.55
